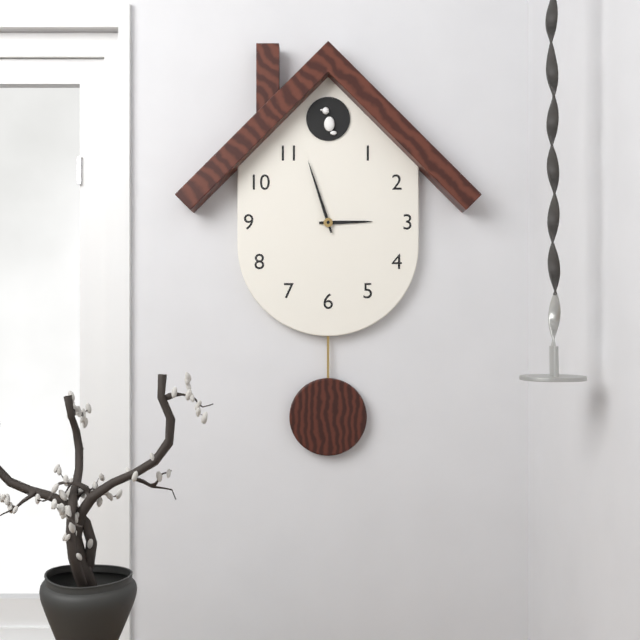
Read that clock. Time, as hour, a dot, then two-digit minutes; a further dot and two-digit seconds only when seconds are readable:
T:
2.57
